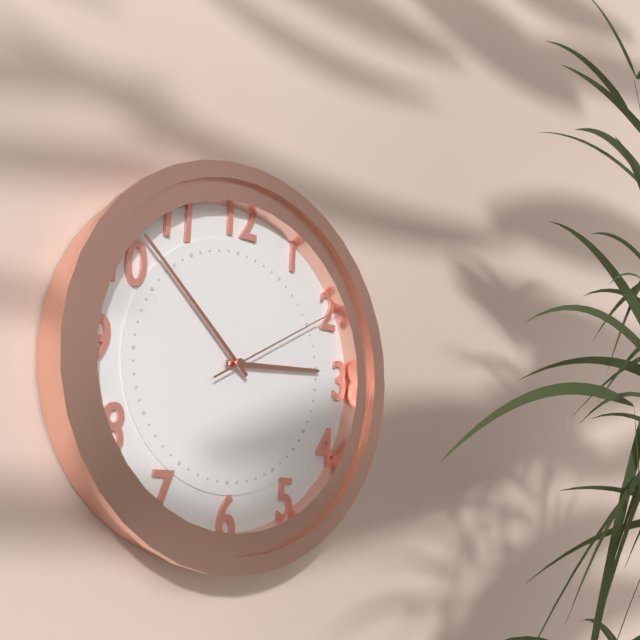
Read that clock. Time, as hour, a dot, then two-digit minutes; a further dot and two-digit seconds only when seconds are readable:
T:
2.52.10
